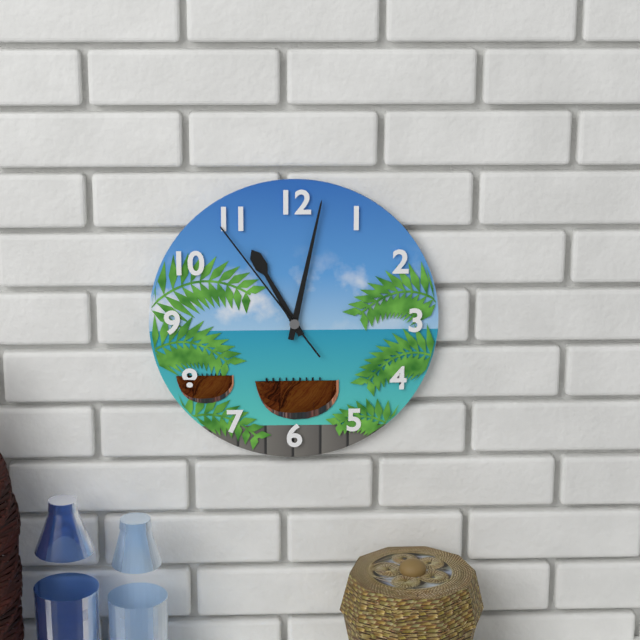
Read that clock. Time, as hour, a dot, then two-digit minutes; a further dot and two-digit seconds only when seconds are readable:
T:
11.02.54
